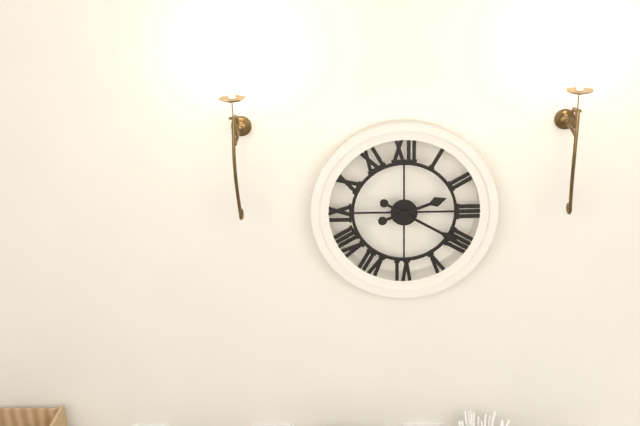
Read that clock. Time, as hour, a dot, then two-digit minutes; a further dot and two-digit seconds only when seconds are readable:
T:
2.20
